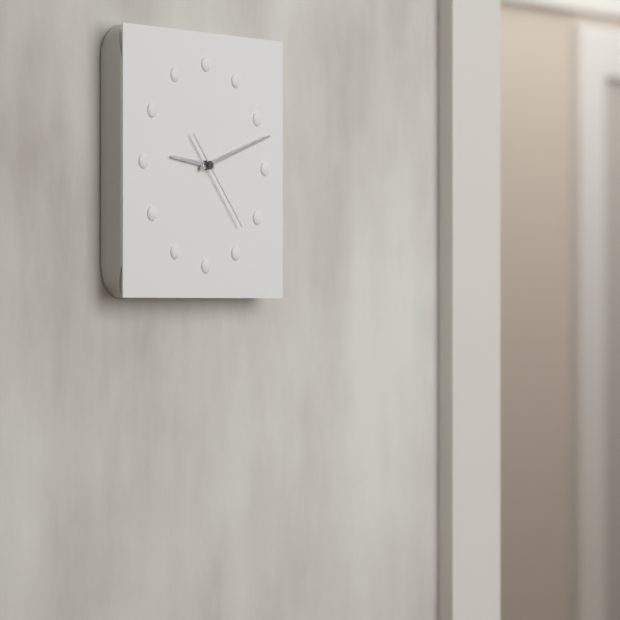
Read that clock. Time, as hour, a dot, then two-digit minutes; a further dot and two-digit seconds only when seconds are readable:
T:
9.12.23
